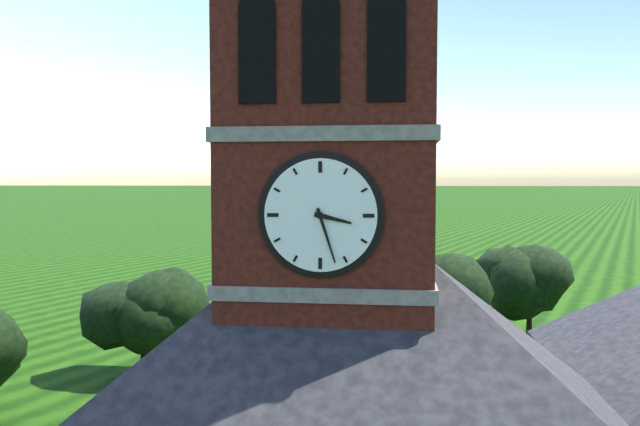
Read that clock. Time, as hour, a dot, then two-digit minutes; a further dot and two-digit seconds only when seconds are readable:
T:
3.27
